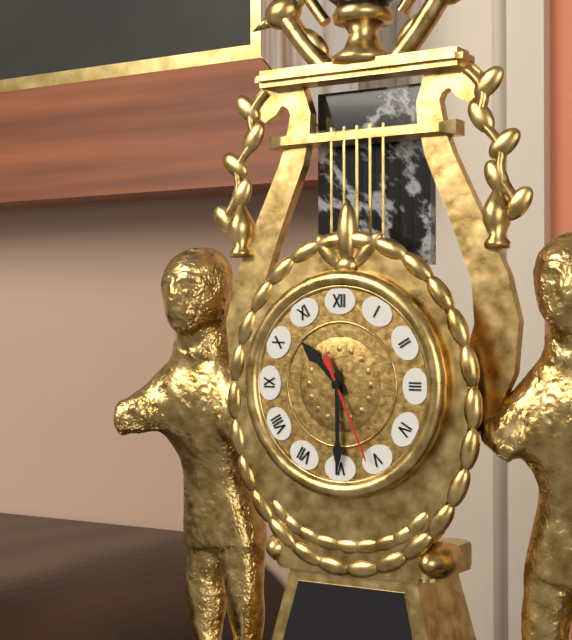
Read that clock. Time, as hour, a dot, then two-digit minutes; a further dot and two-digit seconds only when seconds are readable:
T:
10.30.26
